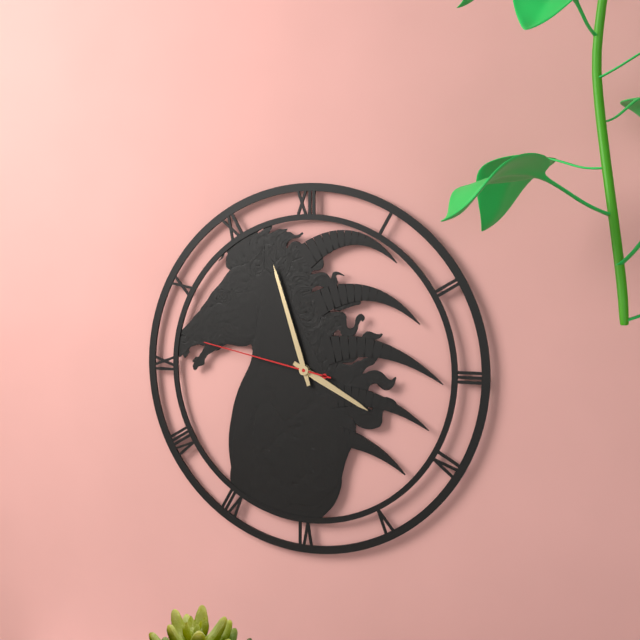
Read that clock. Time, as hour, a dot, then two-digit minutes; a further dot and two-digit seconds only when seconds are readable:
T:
3.57.47
